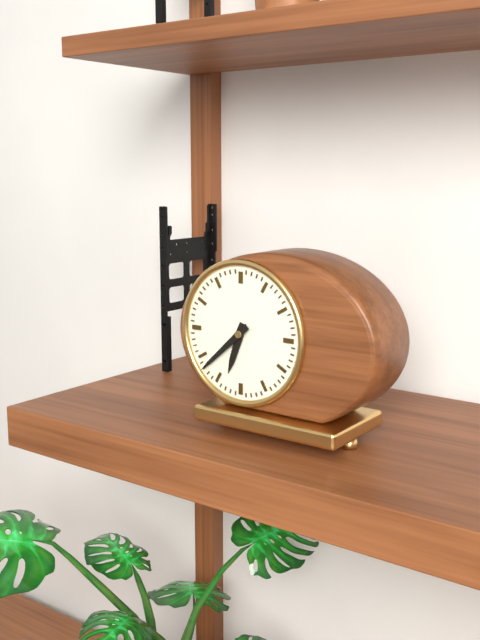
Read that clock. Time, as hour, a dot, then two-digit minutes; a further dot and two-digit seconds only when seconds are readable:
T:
6.38
